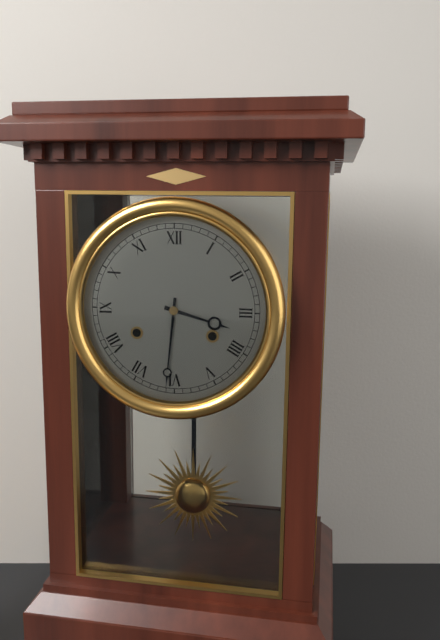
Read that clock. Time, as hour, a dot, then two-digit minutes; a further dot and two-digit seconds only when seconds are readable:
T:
3.31
